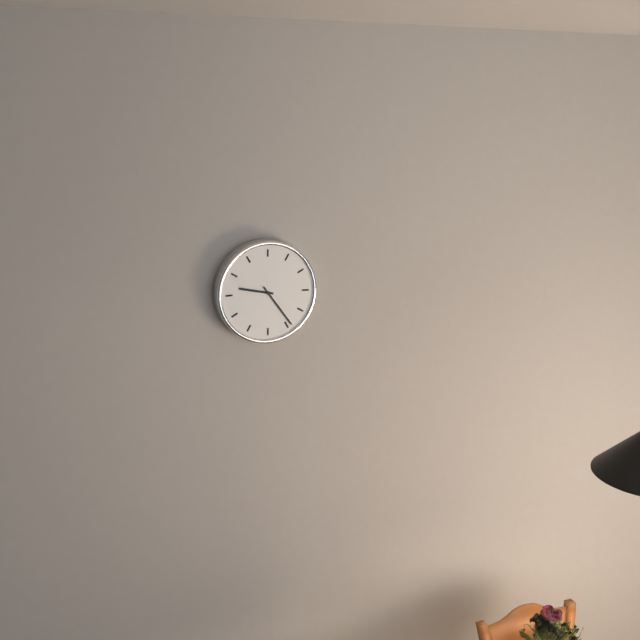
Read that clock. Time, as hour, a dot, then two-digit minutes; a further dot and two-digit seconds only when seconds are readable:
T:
9.24
